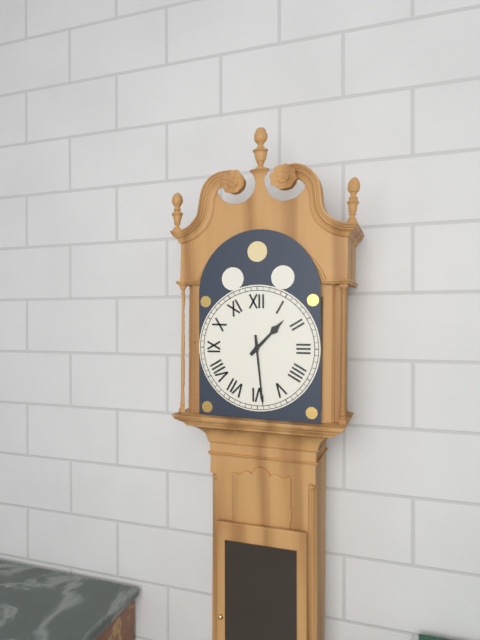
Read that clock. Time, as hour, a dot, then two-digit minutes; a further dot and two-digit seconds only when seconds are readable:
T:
1.29
